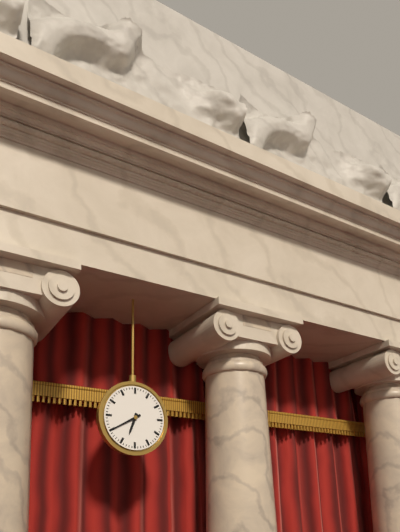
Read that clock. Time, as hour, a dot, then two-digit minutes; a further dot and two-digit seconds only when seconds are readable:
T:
6.40
